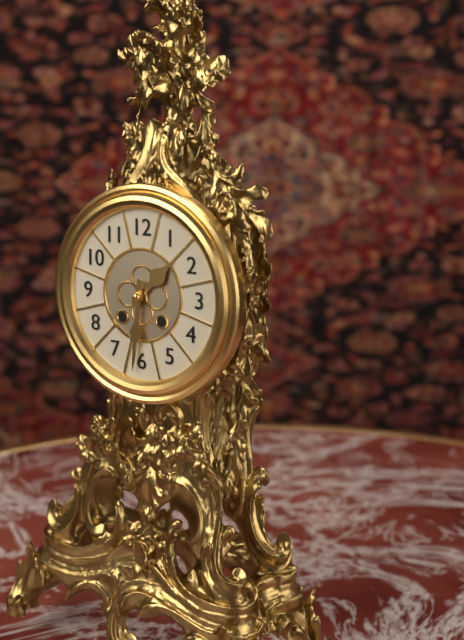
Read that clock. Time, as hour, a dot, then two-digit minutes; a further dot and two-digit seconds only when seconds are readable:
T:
1.31
